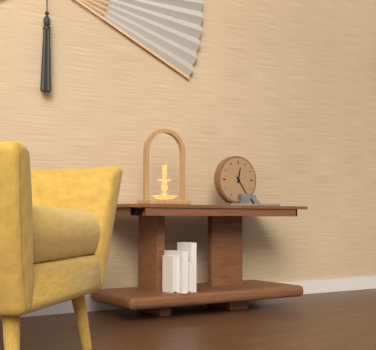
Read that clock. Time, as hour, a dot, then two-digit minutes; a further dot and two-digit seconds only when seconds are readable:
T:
12.24
